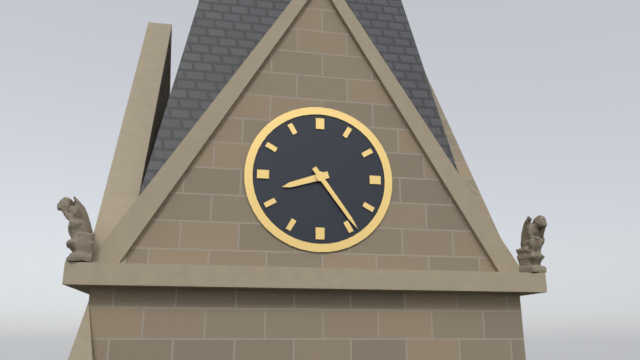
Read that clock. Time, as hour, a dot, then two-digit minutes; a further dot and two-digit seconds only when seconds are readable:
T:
8.24
